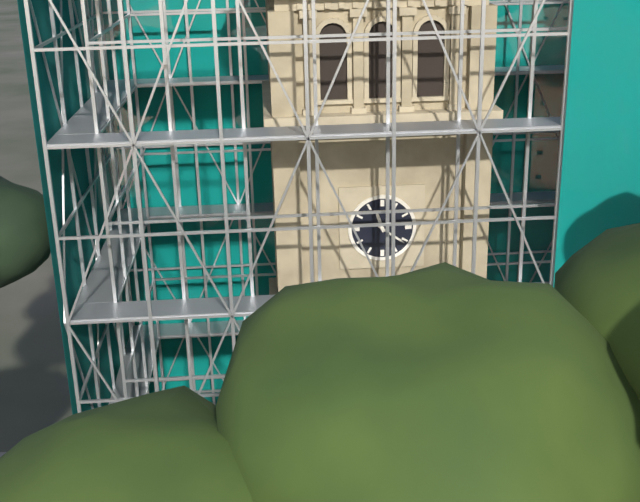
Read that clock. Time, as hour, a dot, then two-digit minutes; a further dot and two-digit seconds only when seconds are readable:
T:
11.21
